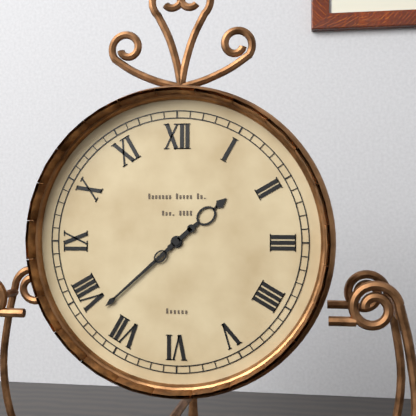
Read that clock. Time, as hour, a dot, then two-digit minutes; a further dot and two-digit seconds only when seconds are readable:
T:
1.38
